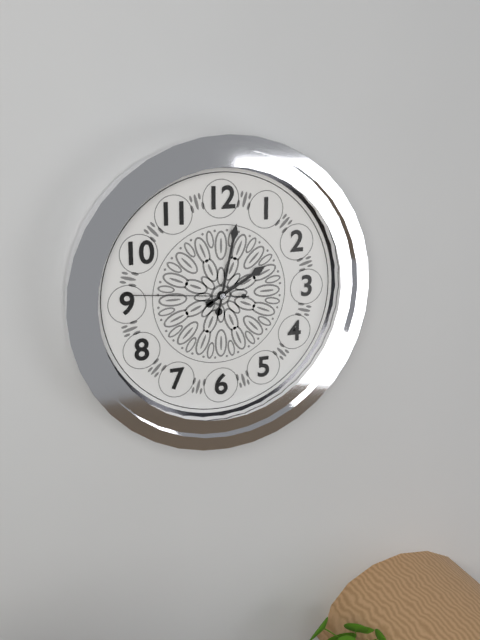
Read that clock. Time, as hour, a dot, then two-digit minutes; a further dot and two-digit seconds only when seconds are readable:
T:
2.02.46
